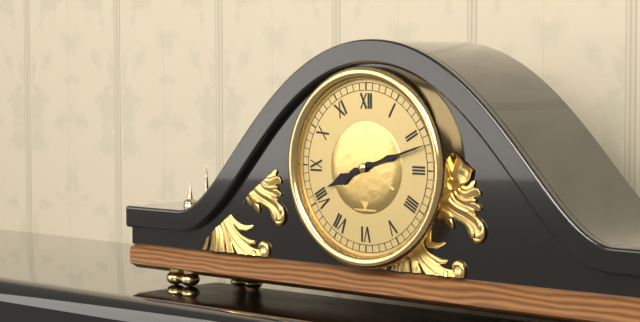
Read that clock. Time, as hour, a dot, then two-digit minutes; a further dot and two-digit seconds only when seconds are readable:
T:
8.12
